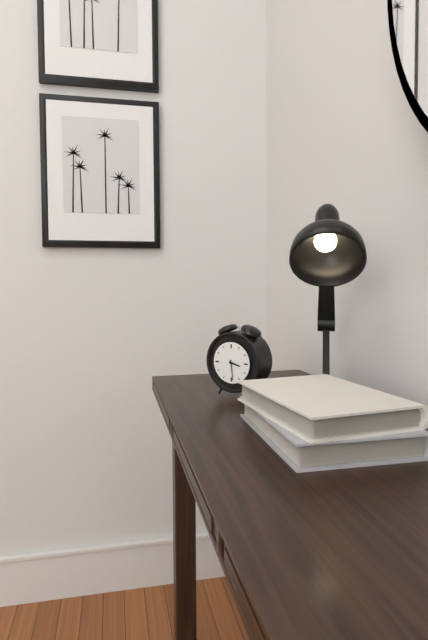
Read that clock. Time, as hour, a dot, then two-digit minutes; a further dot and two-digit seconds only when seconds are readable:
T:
3.29
